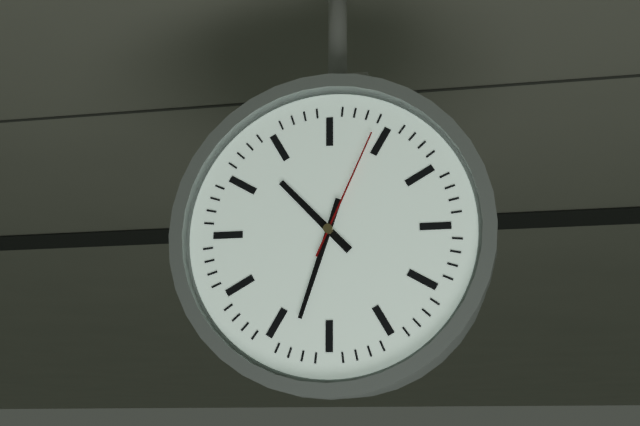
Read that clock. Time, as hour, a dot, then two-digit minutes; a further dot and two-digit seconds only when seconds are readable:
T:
10.33.04
